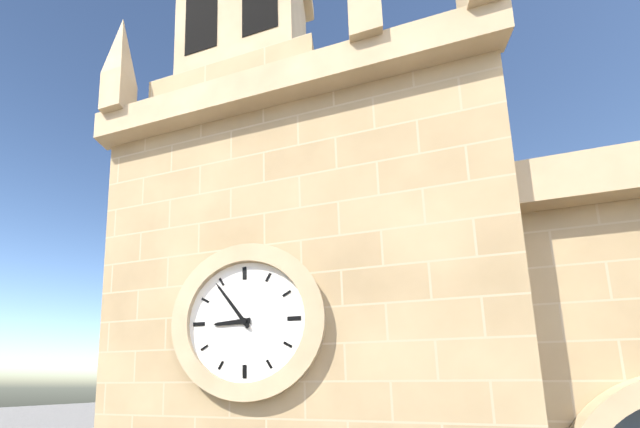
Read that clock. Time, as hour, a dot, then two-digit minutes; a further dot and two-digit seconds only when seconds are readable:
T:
8.54
